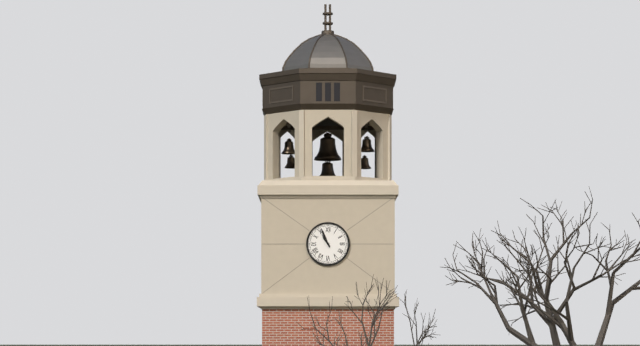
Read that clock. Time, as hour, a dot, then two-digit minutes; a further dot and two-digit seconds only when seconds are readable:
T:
10.56
